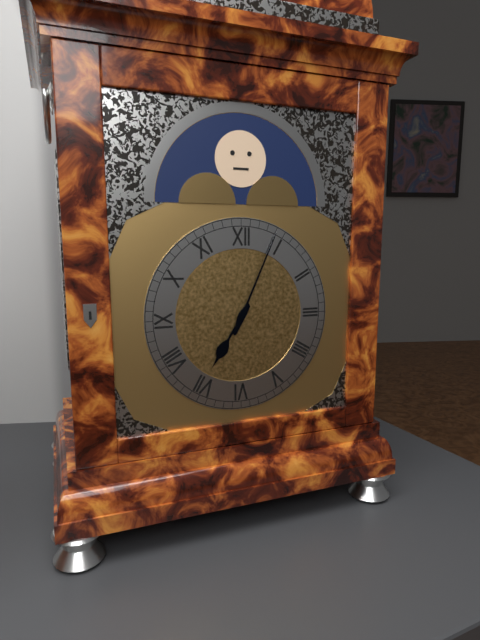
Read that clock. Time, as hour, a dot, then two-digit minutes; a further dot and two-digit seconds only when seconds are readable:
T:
7.04
